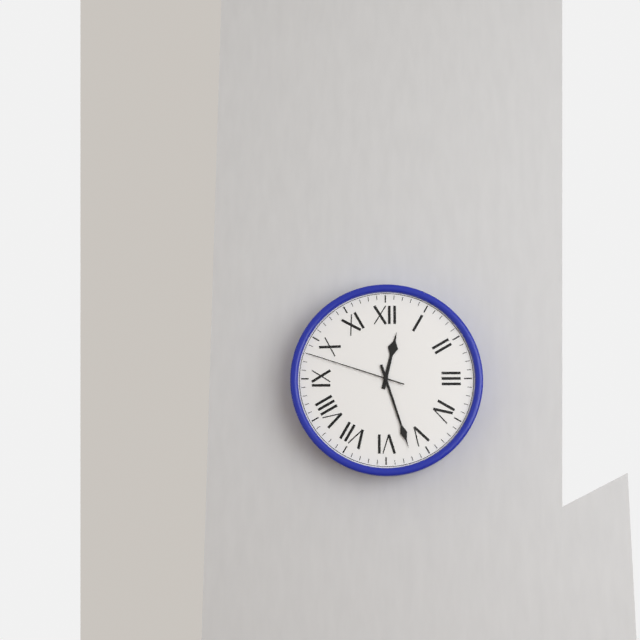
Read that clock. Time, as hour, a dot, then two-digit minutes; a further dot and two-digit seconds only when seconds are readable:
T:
12.27.48
